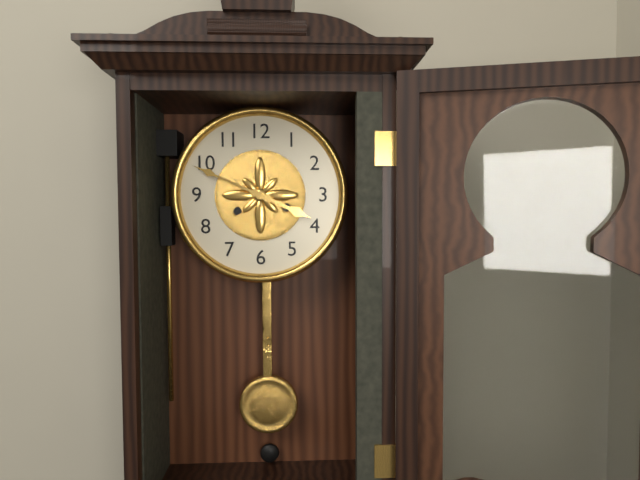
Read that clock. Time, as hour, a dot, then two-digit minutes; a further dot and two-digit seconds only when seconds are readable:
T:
3.49
